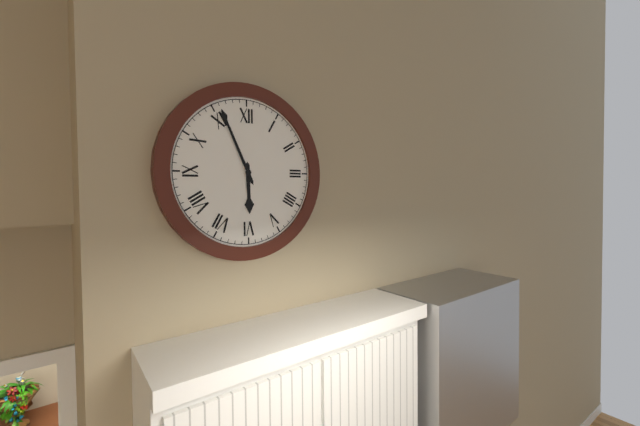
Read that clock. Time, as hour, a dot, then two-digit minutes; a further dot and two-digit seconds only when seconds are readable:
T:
5.56
